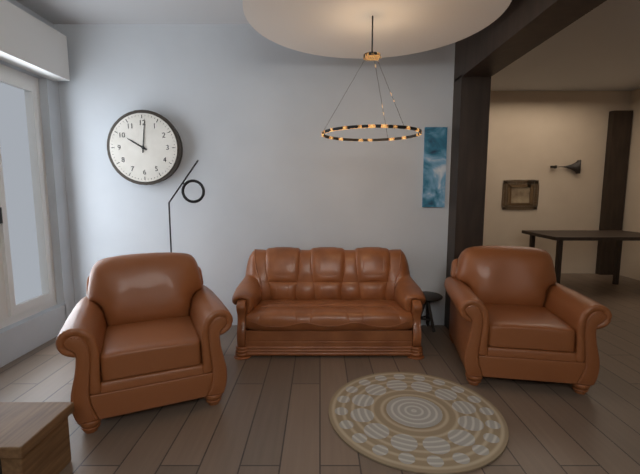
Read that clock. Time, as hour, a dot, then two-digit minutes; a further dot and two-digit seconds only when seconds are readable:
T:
10.01
